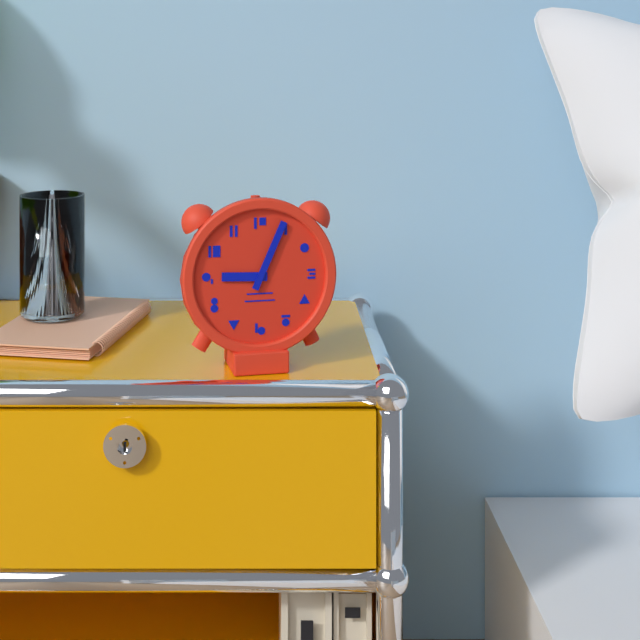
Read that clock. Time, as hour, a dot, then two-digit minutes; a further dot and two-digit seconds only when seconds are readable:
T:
9.04
